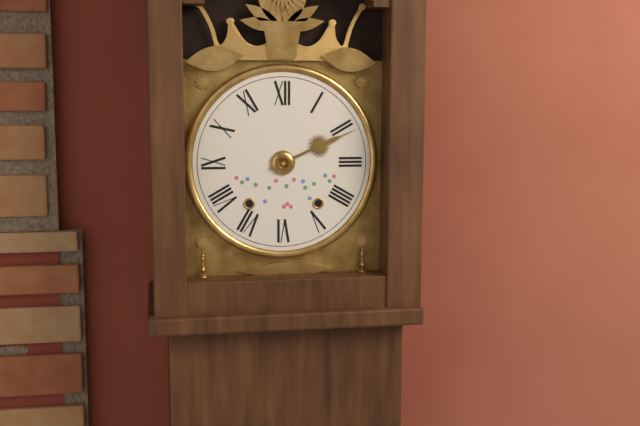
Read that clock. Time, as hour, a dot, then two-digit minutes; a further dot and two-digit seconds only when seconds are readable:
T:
2.11
